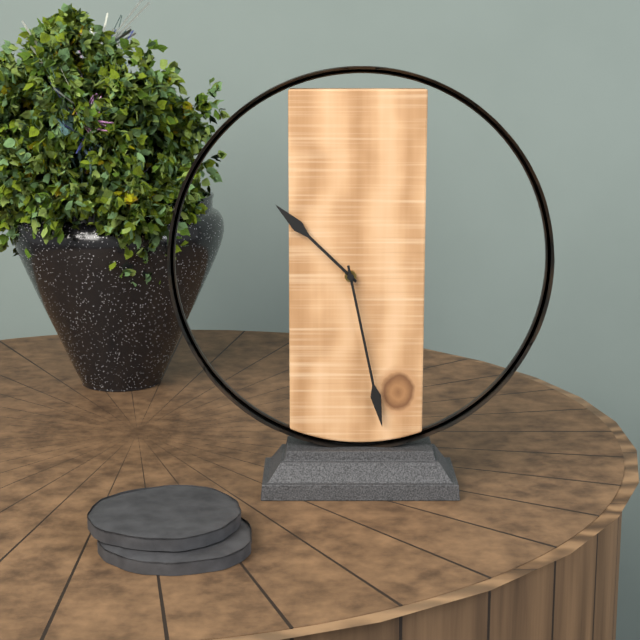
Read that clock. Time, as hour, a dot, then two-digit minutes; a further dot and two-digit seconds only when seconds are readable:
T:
10.28
